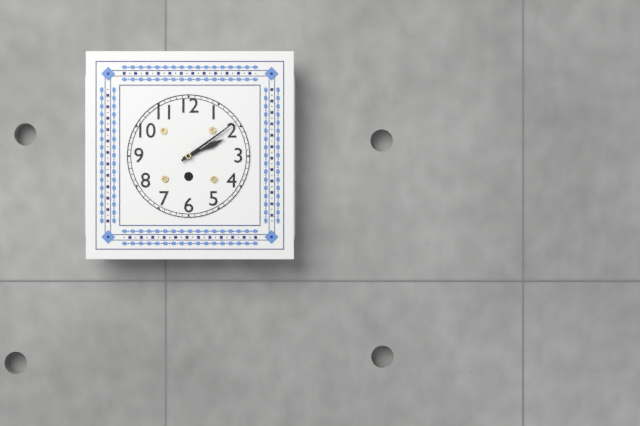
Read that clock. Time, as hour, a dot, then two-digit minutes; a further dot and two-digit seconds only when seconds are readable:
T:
2.09
